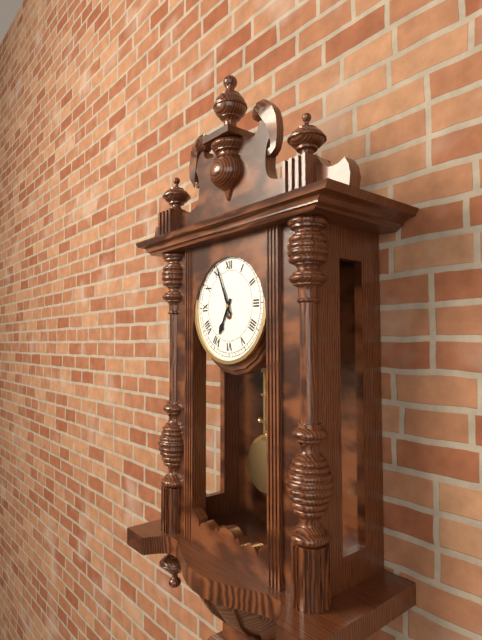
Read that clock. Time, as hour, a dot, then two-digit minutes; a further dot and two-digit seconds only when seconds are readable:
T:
6.56
